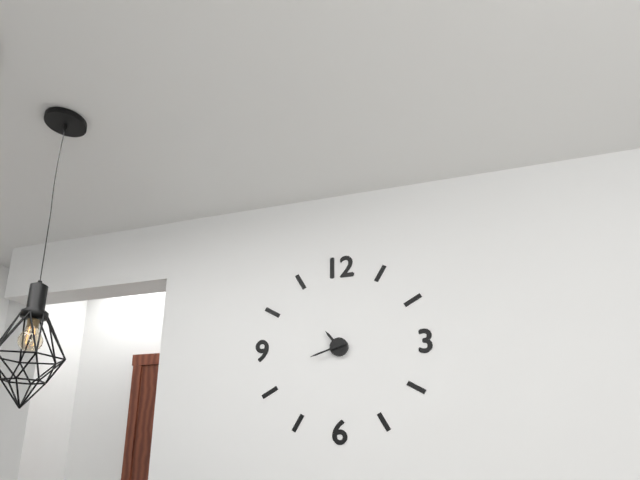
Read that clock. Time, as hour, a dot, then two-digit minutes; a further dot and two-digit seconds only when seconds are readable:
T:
10.42
